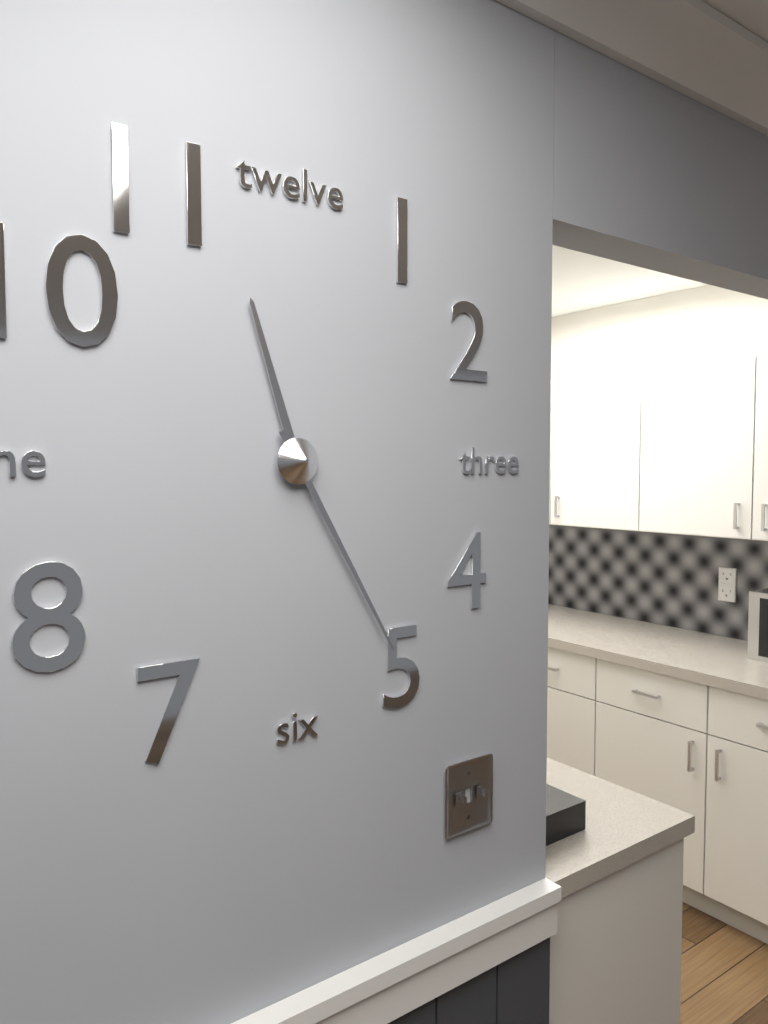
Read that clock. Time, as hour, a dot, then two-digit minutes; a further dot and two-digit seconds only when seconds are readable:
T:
11.25
